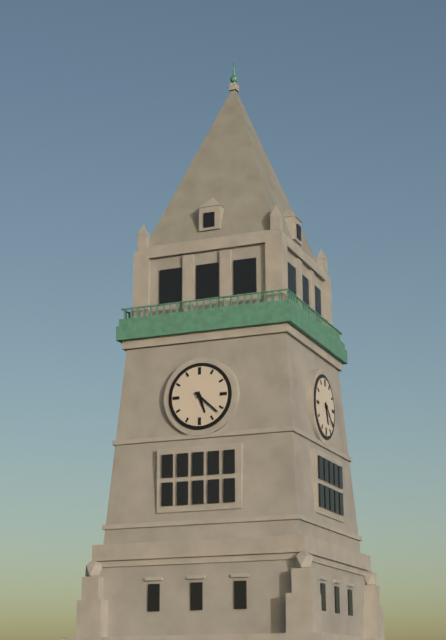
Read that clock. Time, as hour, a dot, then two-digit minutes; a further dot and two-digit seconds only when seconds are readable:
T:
5.22
